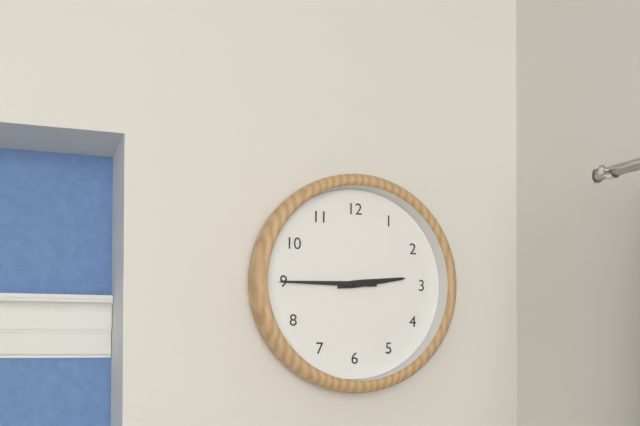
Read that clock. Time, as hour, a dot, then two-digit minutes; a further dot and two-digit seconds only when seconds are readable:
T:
2.45
